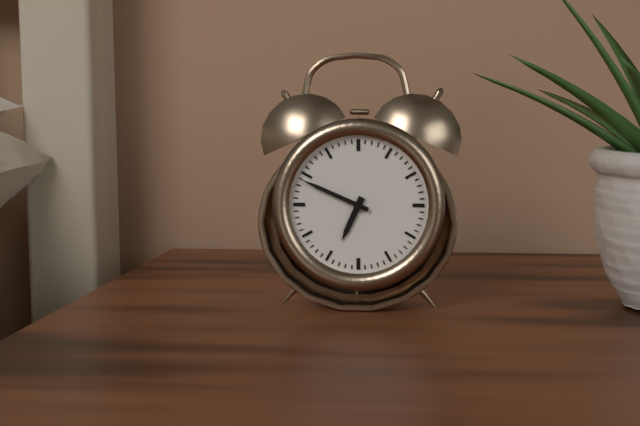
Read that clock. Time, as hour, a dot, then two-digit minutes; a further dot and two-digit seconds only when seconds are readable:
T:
6.49
